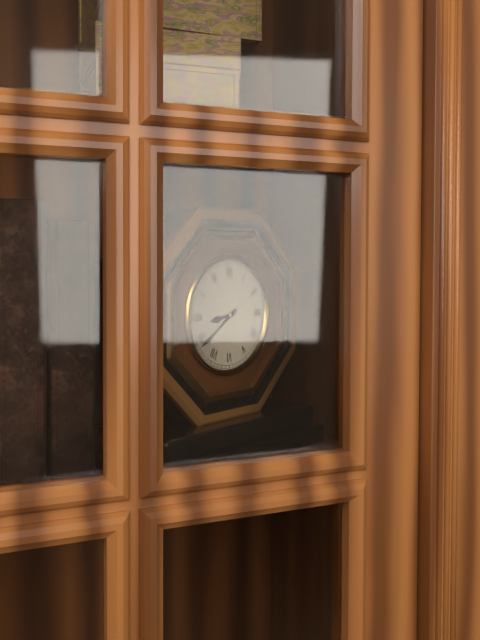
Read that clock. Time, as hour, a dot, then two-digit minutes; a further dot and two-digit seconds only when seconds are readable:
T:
8.39
